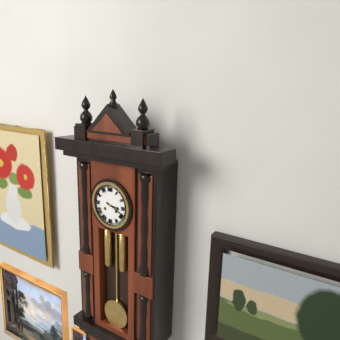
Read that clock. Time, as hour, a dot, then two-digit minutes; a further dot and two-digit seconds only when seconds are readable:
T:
3.19
